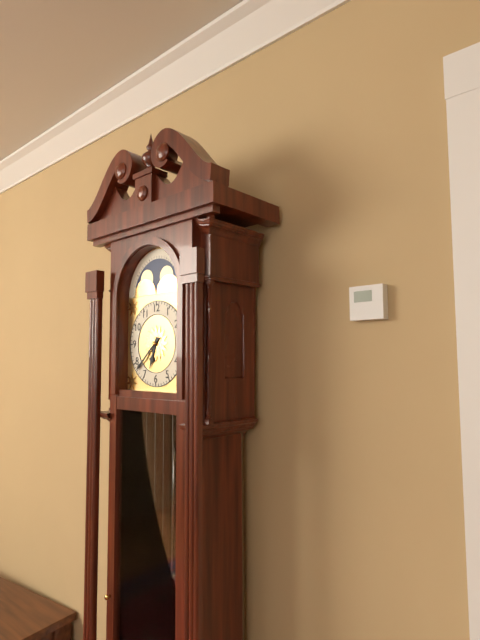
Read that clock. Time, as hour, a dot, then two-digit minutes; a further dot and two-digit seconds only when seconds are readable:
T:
6.38
